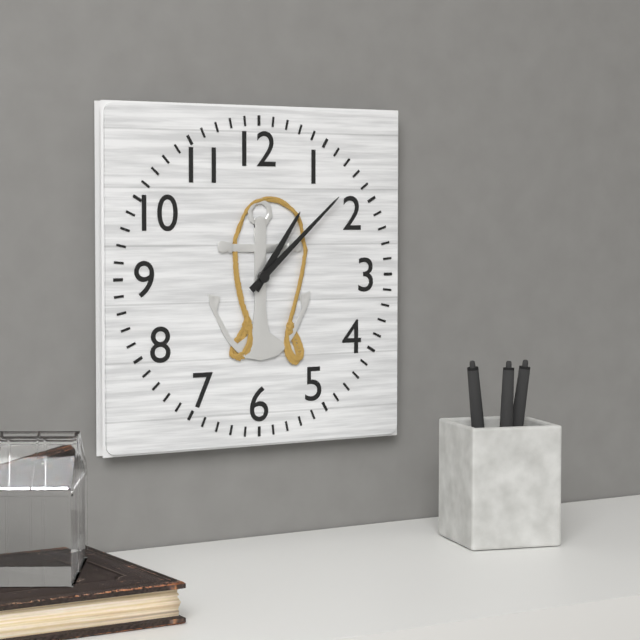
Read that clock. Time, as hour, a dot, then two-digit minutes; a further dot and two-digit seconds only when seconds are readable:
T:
1.08
